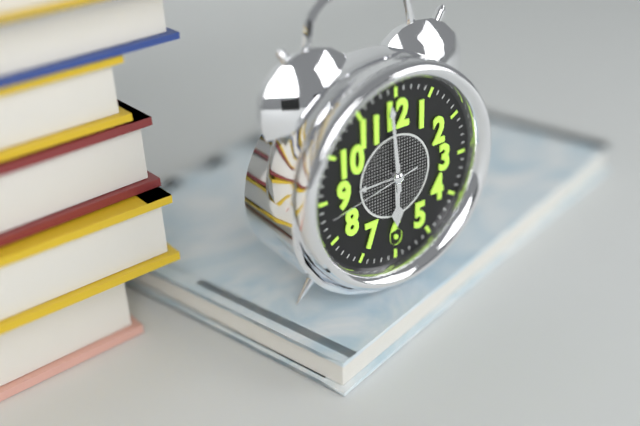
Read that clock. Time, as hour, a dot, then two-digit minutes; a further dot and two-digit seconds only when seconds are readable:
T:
5.59.43
